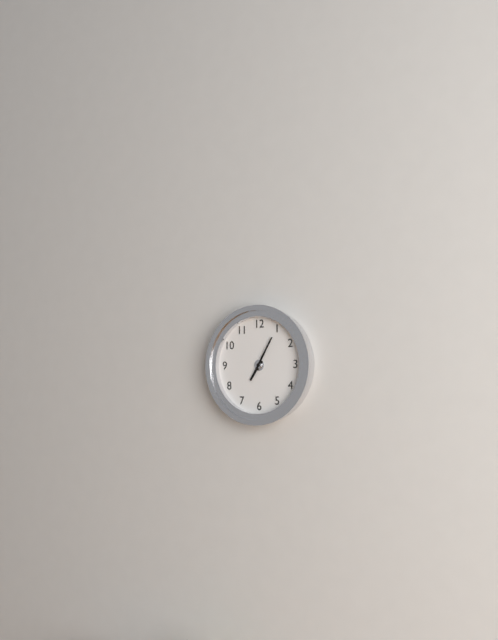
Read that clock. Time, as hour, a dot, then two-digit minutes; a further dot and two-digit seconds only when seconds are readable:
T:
7.05
